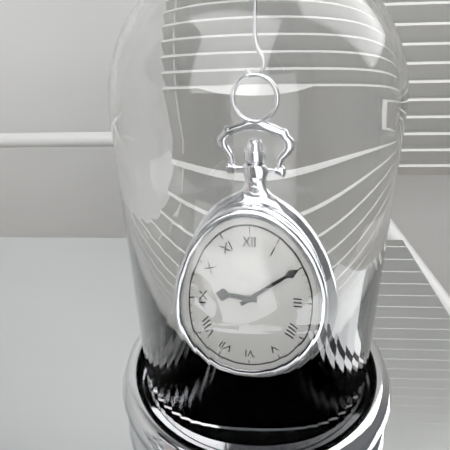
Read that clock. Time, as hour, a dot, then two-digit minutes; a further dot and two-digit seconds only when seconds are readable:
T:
9.10
